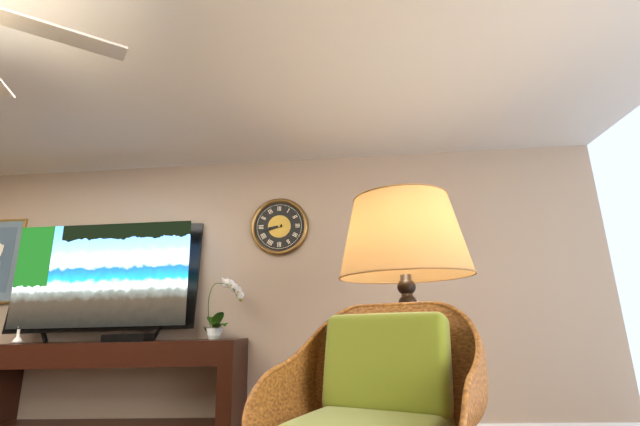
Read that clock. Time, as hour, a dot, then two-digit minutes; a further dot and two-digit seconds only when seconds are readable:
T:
8.42
